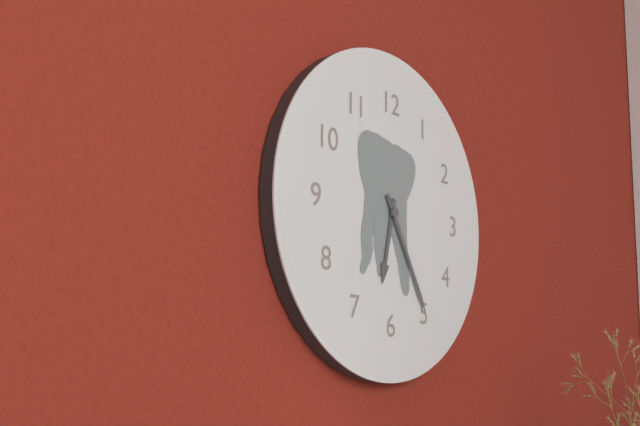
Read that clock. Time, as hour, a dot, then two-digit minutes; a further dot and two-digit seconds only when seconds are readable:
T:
6.25
